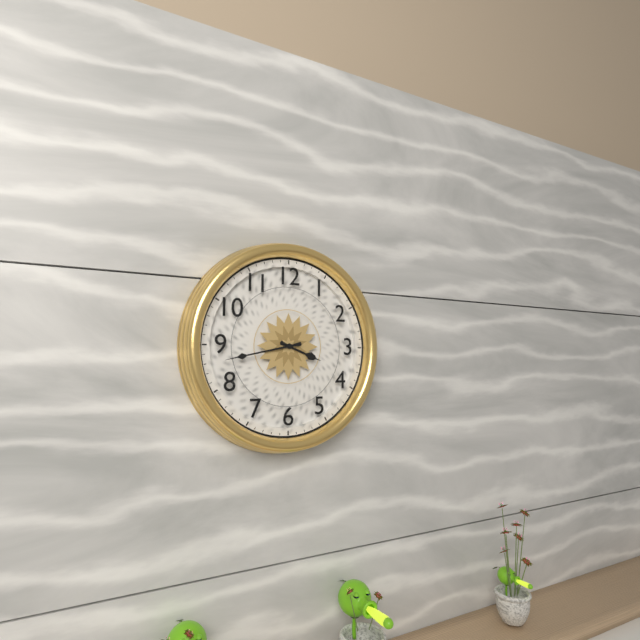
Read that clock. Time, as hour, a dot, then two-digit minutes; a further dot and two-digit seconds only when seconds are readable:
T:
3.43
